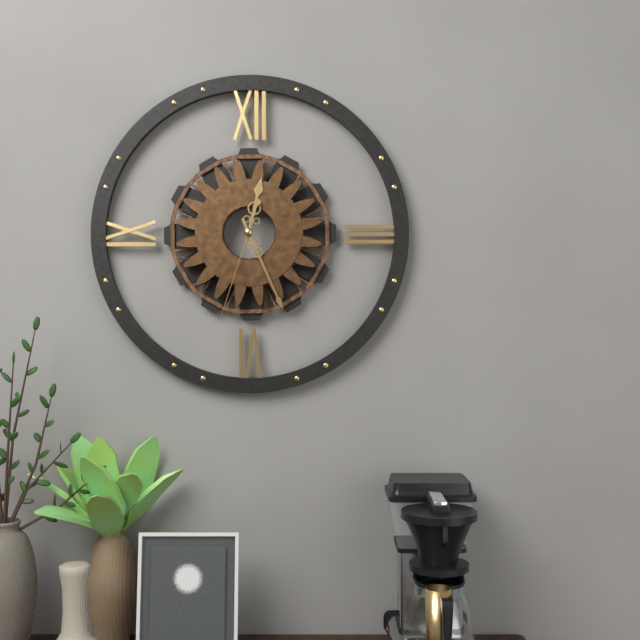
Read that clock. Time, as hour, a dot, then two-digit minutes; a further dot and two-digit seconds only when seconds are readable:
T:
12.26.33
